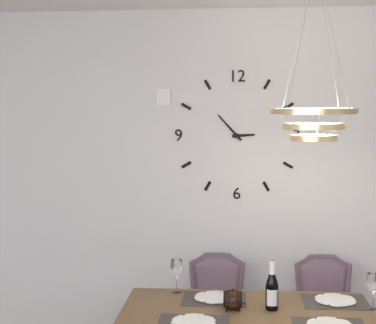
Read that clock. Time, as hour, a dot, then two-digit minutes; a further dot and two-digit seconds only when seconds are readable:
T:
2.53
